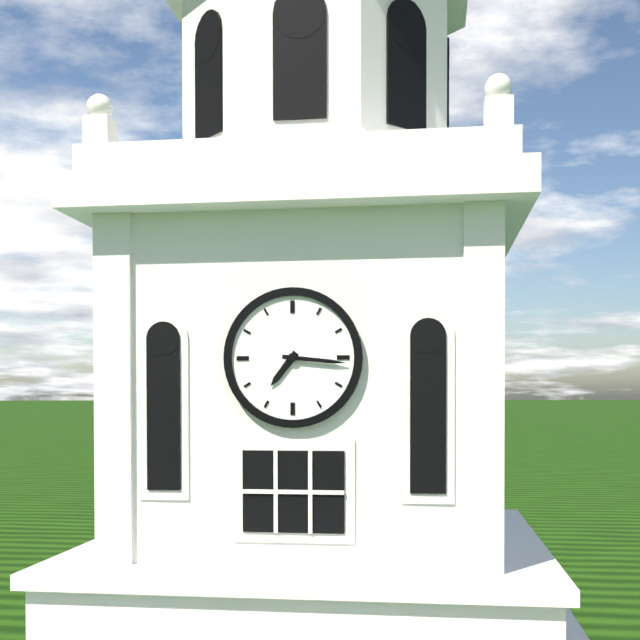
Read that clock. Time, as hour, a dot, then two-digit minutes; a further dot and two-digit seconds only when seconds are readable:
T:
7.16
